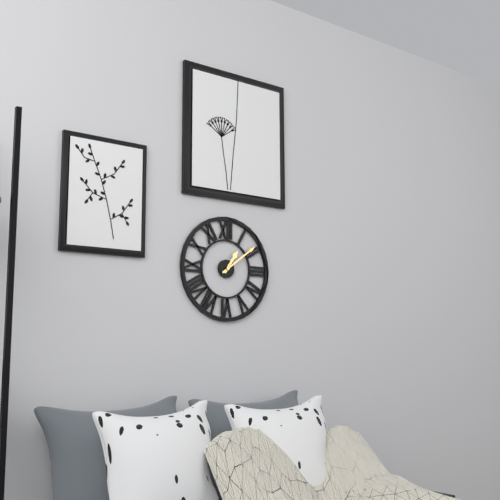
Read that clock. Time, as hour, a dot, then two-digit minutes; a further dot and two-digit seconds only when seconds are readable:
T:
1.09
